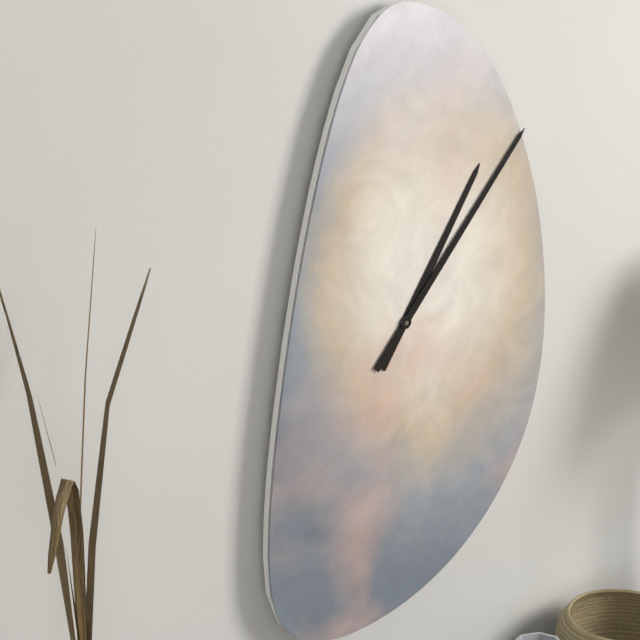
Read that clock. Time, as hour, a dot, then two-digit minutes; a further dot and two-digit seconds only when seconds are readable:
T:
1.07
